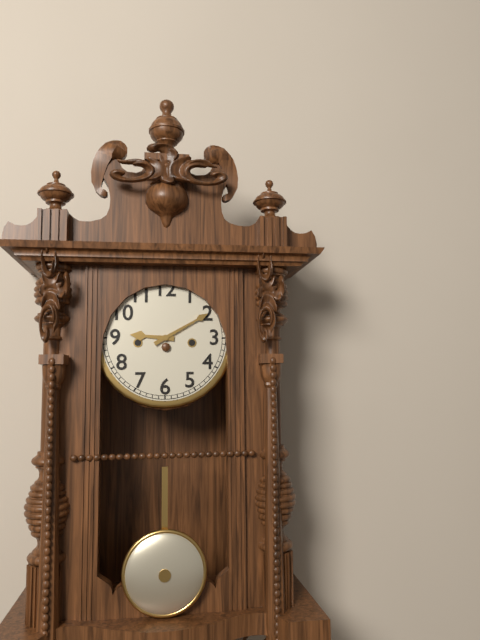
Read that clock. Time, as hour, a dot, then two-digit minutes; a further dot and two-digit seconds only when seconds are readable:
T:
9.10
